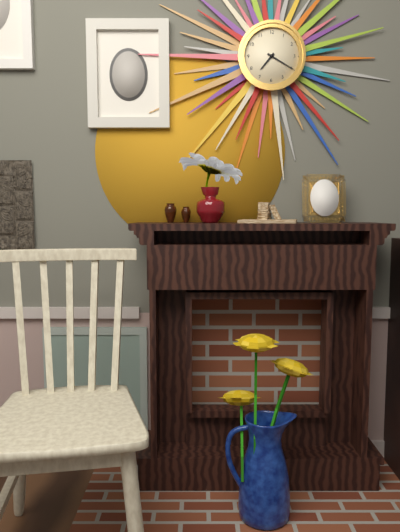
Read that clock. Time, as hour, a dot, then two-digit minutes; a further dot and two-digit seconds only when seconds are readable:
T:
7.20
